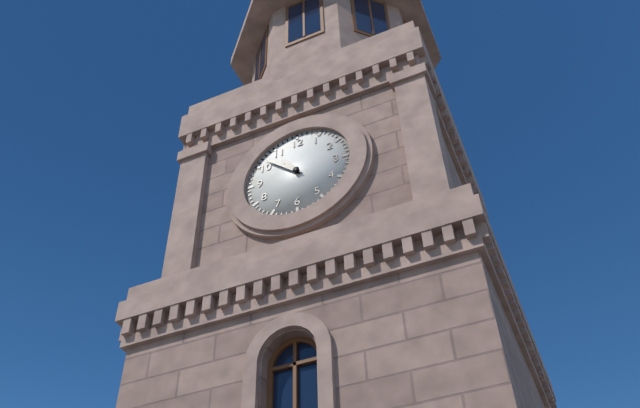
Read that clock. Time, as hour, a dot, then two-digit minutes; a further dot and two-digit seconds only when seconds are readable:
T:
10.52
